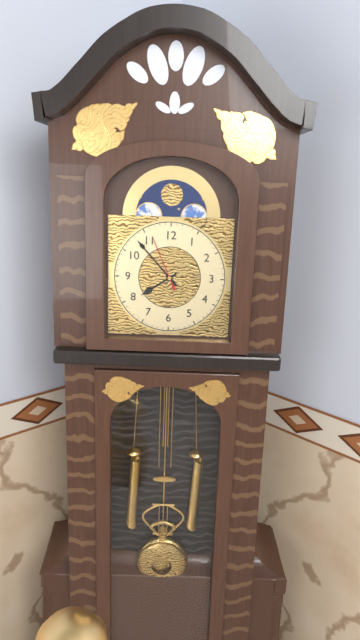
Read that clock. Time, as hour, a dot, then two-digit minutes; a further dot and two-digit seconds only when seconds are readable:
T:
7.53.56
